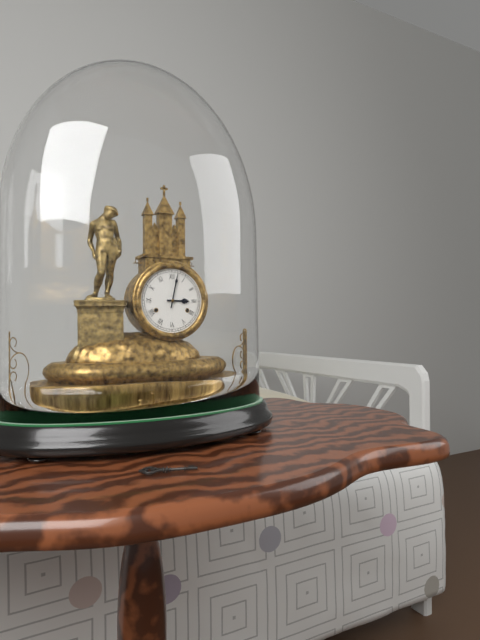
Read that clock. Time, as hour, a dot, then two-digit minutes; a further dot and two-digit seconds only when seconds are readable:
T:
3.02
